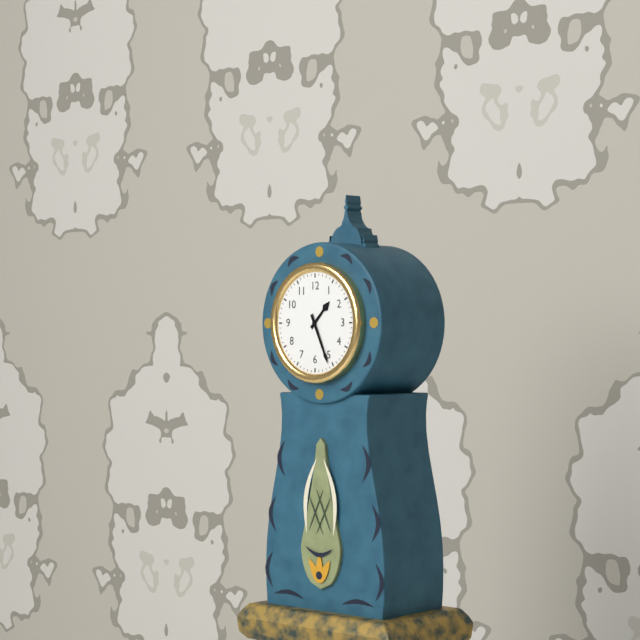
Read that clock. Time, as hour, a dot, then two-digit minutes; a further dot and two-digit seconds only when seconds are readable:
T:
1.26
